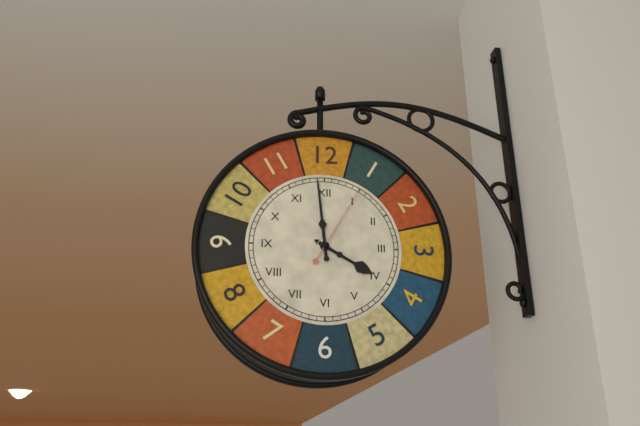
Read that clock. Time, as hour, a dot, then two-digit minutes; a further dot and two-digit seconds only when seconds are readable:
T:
3.59.05
